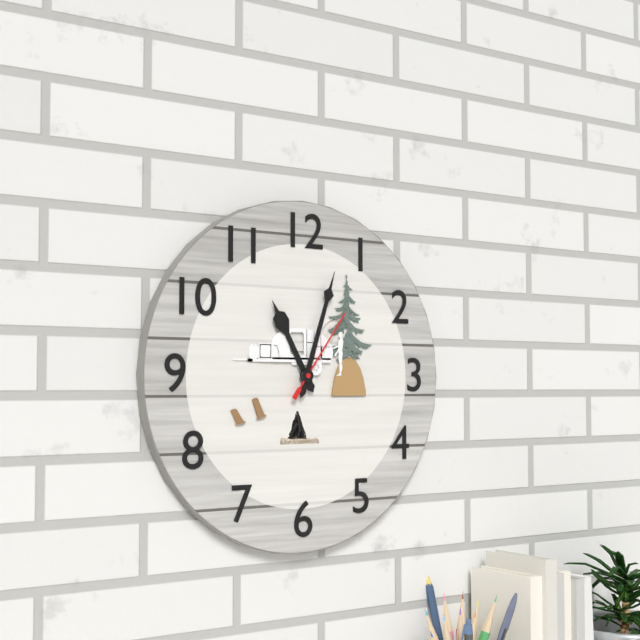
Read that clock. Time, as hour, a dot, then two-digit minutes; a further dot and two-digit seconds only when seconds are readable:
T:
11.03.06
